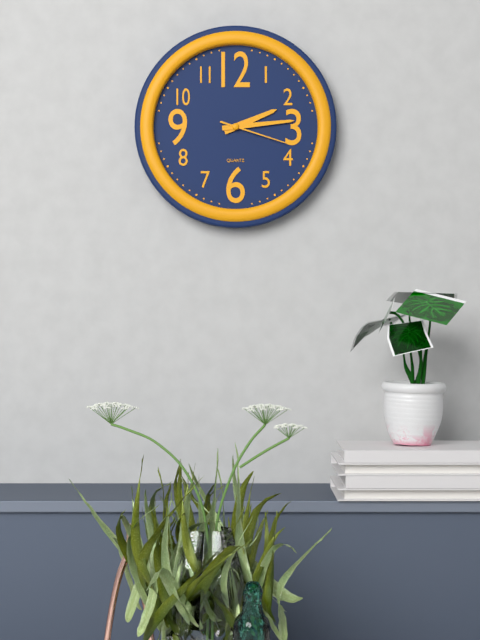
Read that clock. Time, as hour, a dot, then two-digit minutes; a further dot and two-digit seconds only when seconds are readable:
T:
2.14.18
